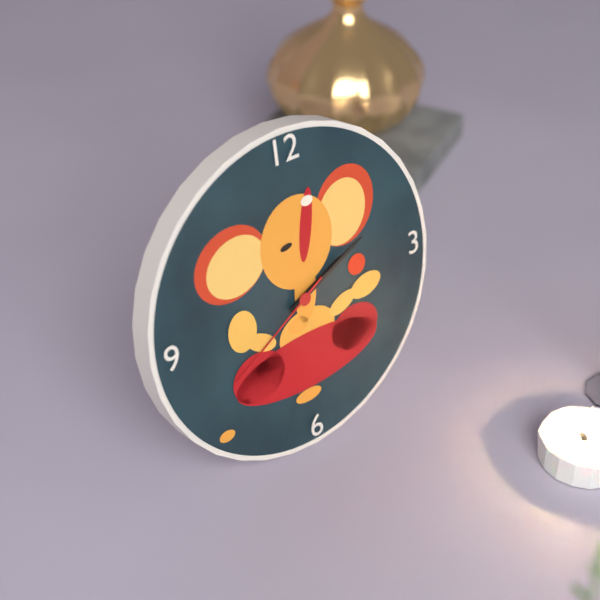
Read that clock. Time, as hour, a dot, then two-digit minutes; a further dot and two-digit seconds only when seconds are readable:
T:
2.11.40
